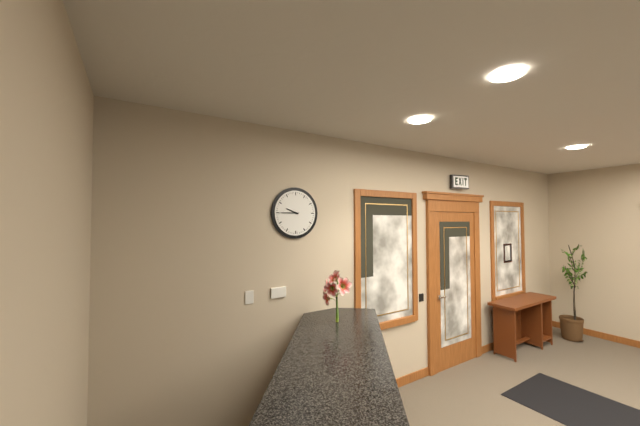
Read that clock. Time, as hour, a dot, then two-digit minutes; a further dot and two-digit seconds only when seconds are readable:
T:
9.45
